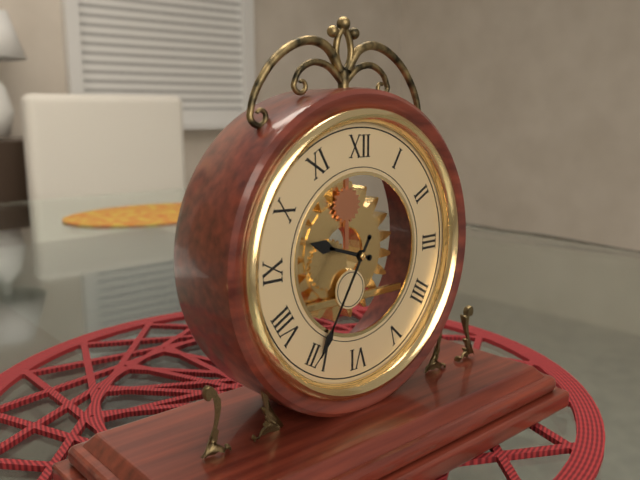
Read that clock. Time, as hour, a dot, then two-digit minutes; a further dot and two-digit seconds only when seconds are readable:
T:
9.35
